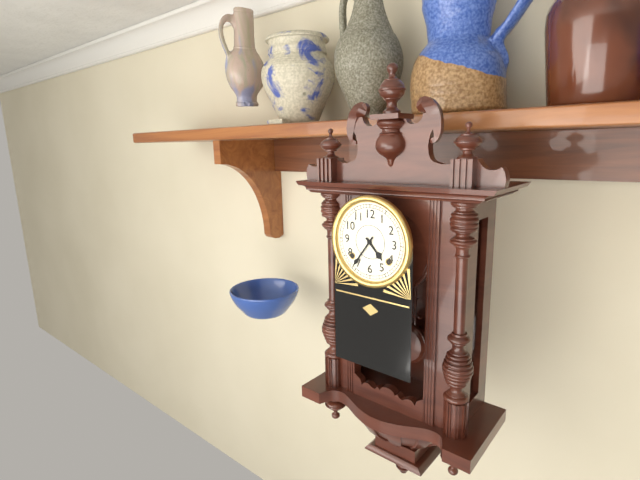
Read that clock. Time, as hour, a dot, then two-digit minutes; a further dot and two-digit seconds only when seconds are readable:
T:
4.36
